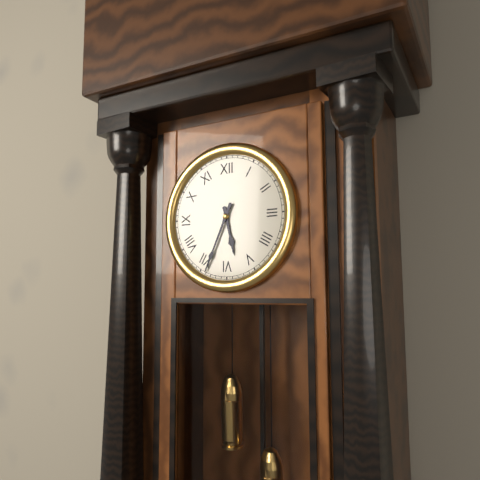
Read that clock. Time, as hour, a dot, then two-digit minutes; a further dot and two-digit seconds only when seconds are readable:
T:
5.34
